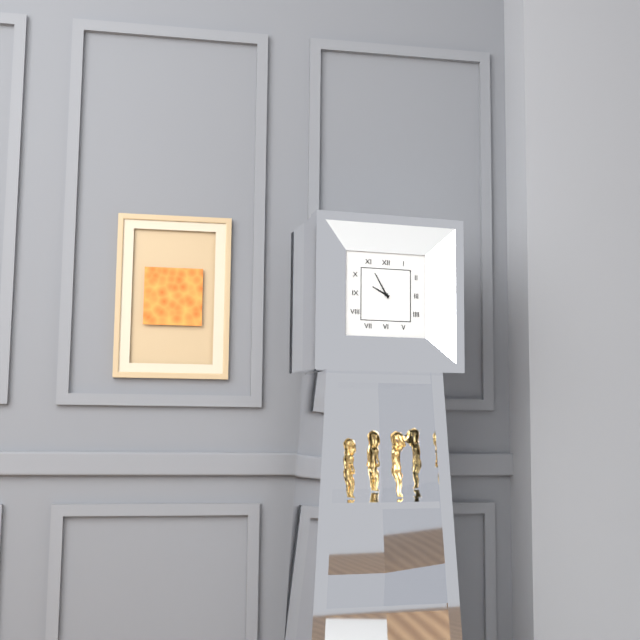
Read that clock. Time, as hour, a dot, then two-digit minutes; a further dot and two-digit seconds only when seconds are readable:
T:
9.55
